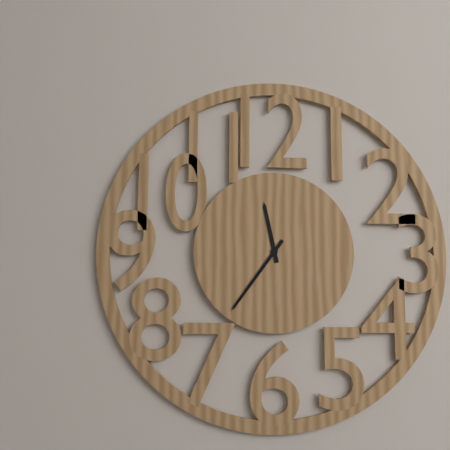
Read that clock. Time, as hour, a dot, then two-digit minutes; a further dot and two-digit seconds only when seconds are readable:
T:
11.36
